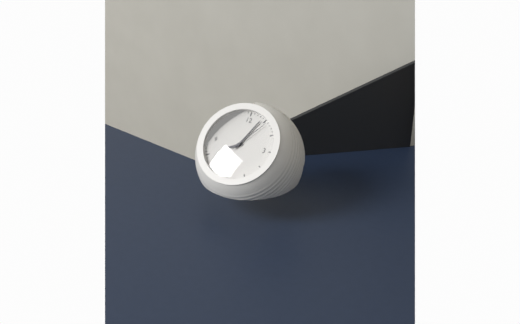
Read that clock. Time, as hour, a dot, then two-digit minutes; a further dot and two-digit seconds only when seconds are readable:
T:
8.04
